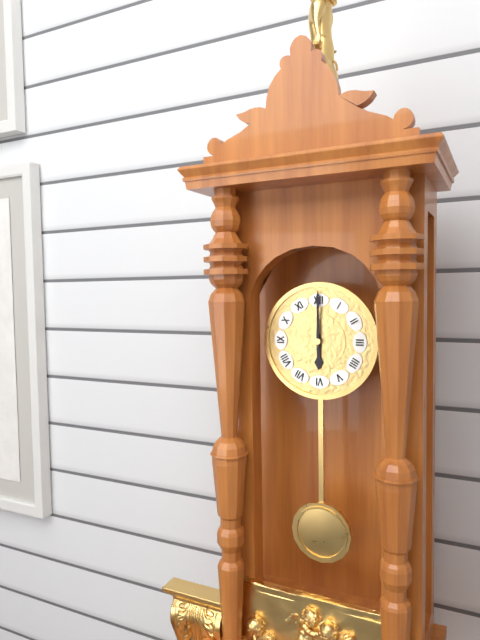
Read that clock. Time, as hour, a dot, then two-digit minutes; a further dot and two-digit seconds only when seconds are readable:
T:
6.00
